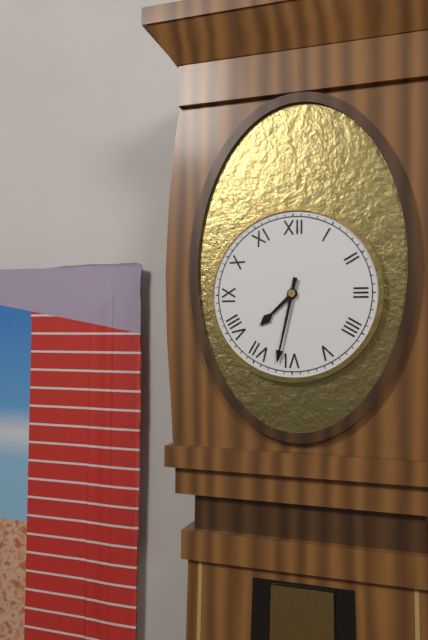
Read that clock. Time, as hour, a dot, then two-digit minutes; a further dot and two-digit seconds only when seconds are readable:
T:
7.32
